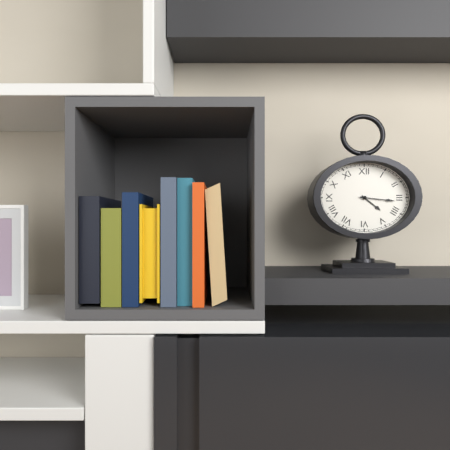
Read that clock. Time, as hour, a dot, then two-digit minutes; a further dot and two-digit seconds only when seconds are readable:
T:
4.16
